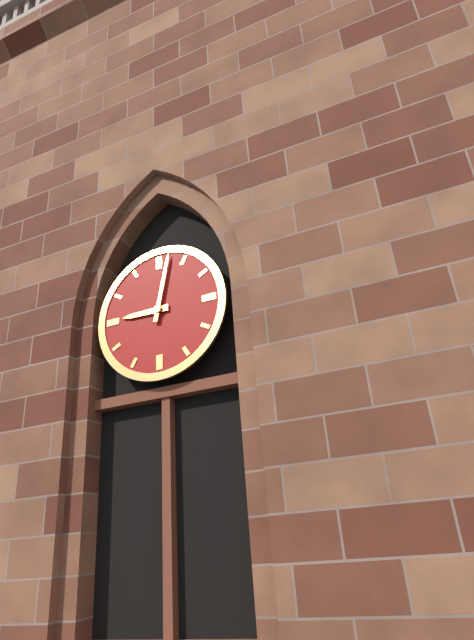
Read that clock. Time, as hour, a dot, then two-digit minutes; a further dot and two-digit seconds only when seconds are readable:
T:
9.02
